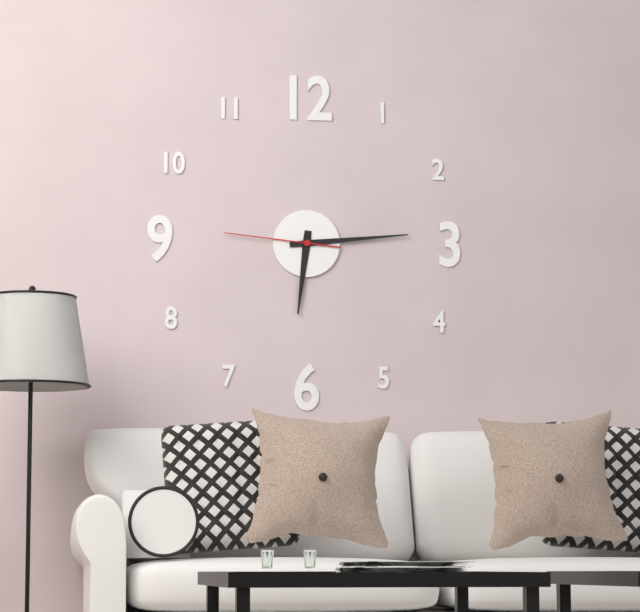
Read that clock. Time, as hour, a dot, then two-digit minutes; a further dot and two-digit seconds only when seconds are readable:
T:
6.14.46
